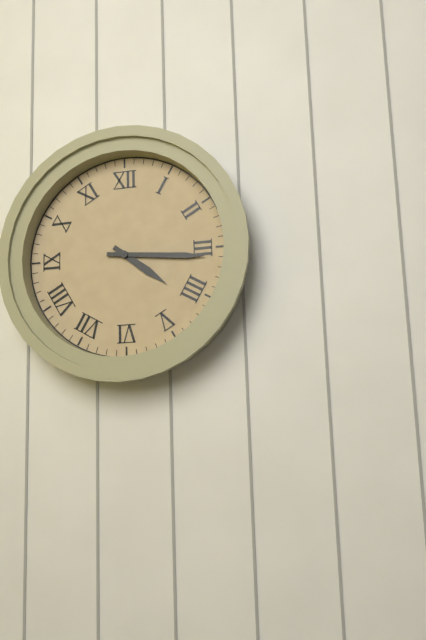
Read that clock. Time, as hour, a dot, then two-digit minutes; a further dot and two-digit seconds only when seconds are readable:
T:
4.16
